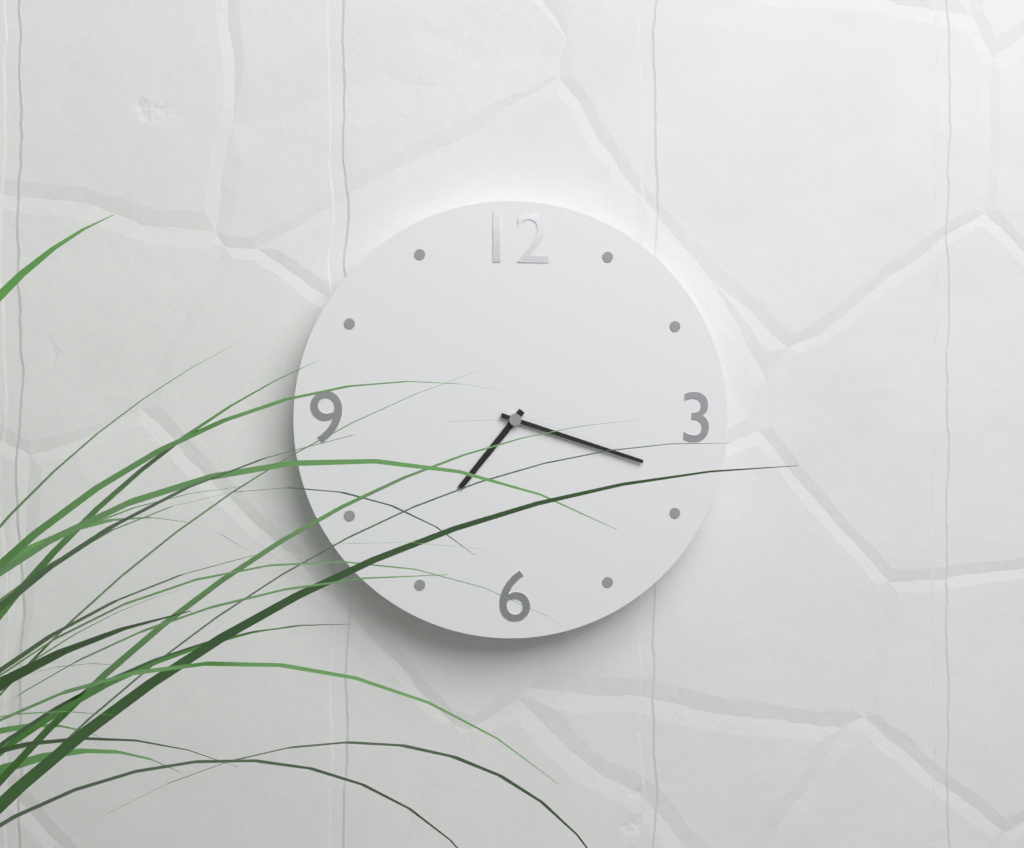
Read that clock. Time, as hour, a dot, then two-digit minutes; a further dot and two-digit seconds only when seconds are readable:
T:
7.18
